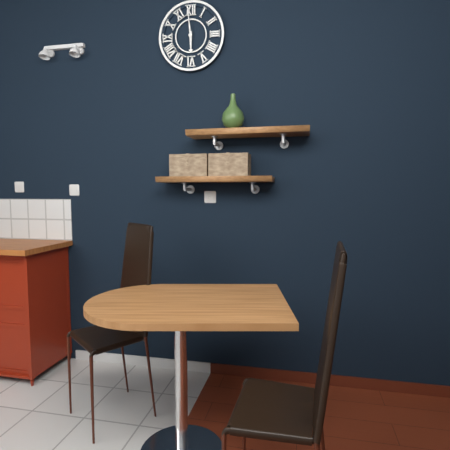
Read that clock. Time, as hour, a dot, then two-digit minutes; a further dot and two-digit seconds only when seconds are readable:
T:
5.59
